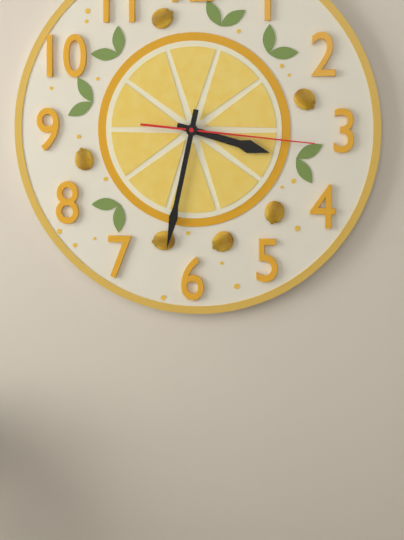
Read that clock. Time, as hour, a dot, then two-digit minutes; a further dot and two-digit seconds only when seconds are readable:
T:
3.32.16
